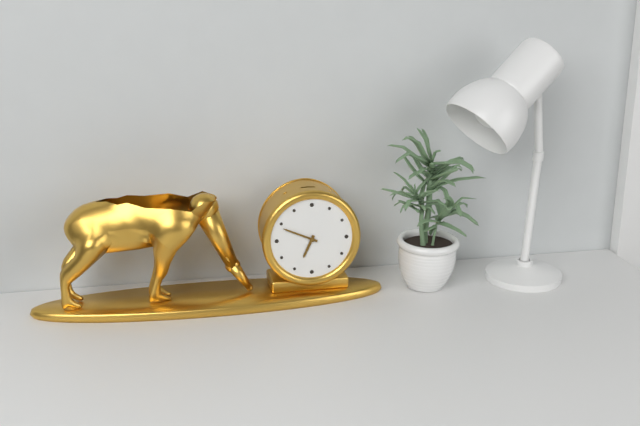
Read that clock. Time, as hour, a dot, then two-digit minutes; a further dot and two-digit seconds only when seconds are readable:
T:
6.49
